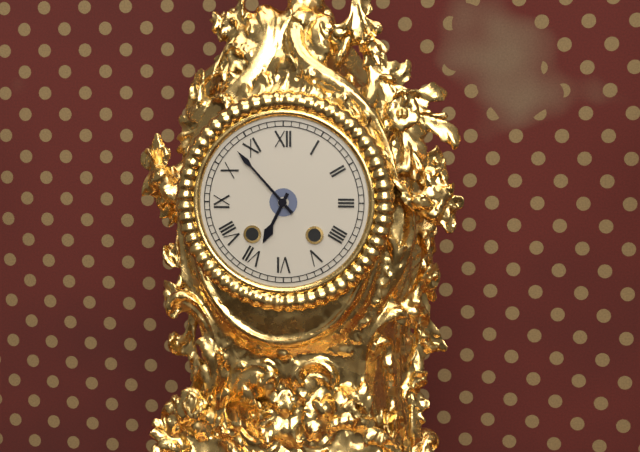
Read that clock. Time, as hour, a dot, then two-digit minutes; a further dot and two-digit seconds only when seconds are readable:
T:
6.53
